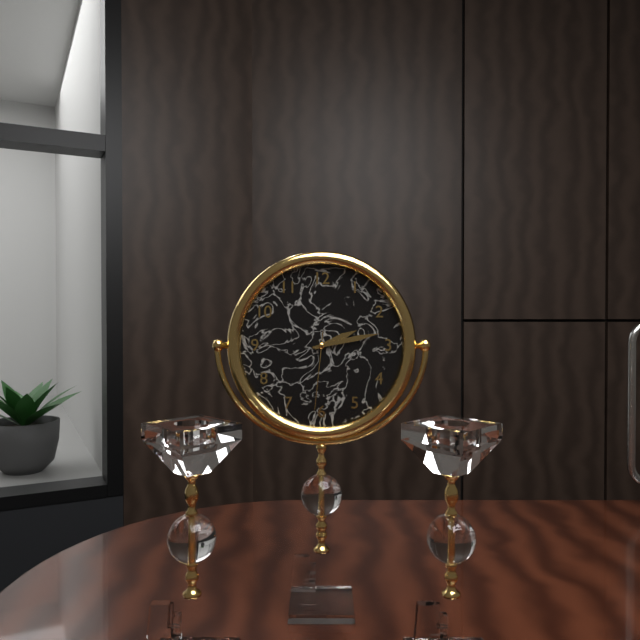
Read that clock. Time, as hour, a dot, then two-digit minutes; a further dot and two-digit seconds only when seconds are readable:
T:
2.13.31
